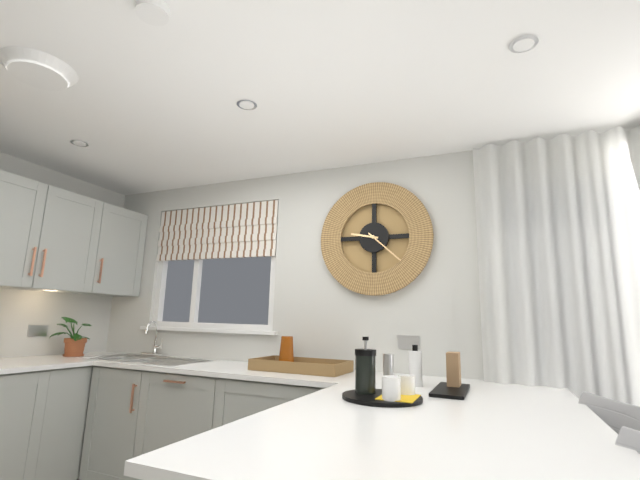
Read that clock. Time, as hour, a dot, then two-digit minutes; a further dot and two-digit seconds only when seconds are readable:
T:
9.22
